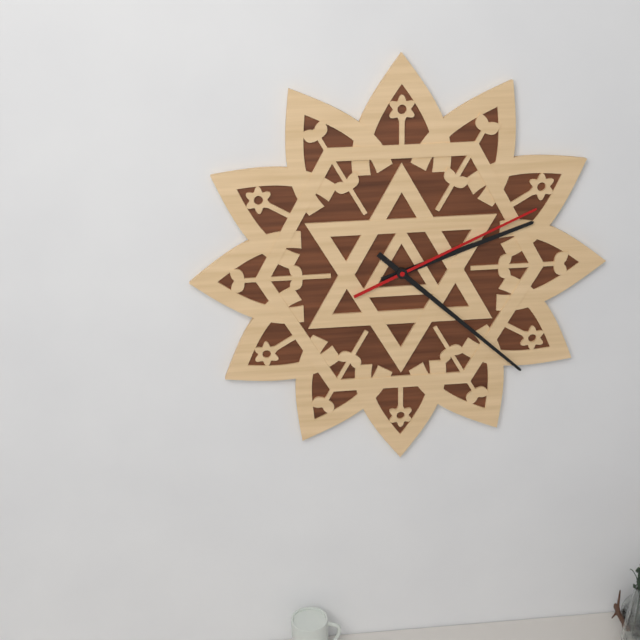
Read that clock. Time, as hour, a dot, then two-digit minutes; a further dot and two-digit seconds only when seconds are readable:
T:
2.22.11
